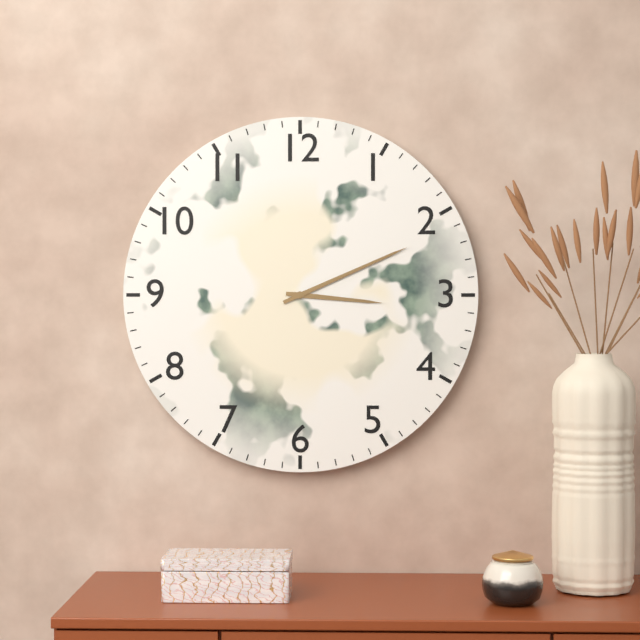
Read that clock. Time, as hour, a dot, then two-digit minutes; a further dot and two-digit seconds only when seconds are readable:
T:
3.11
